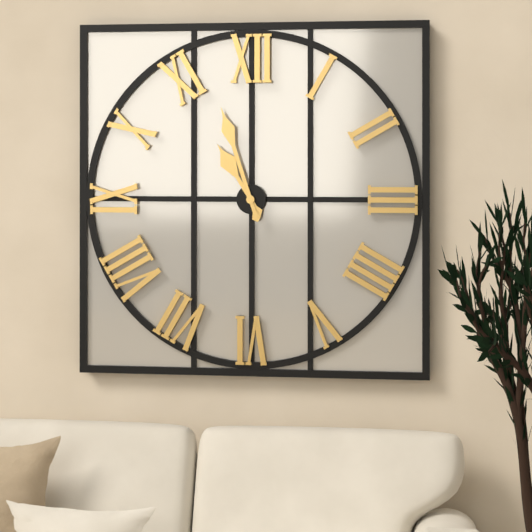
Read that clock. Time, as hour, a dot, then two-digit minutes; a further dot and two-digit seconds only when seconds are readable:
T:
10.57
